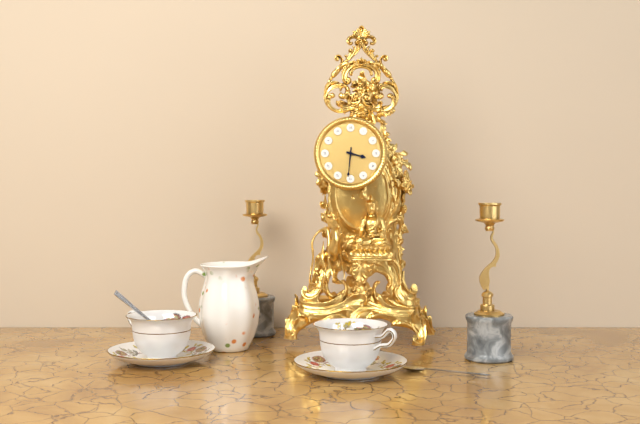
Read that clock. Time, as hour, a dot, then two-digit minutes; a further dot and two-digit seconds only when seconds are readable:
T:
3.31
